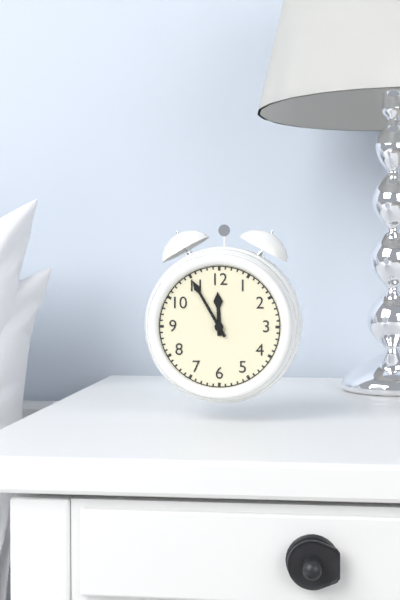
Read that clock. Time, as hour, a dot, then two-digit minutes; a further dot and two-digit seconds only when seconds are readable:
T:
11.55
